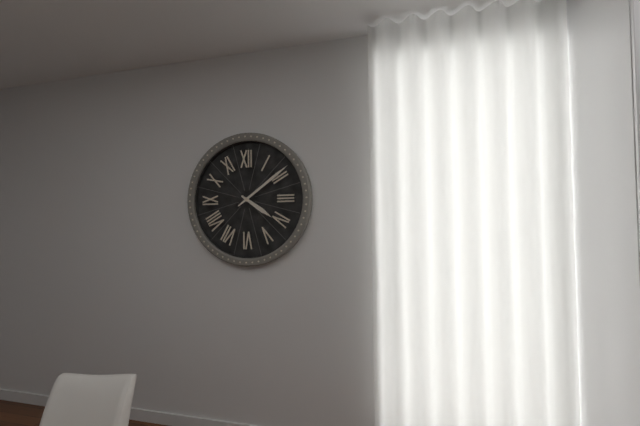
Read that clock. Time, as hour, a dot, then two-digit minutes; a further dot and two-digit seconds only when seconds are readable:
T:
4.09
